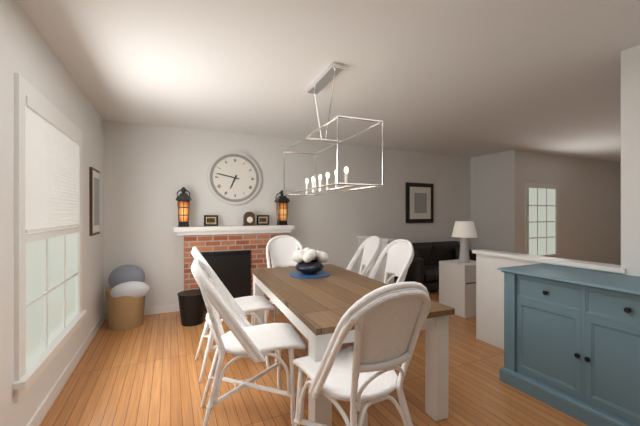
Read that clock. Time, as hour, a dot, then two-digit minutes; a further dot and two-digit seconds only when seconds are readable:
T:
6.47
